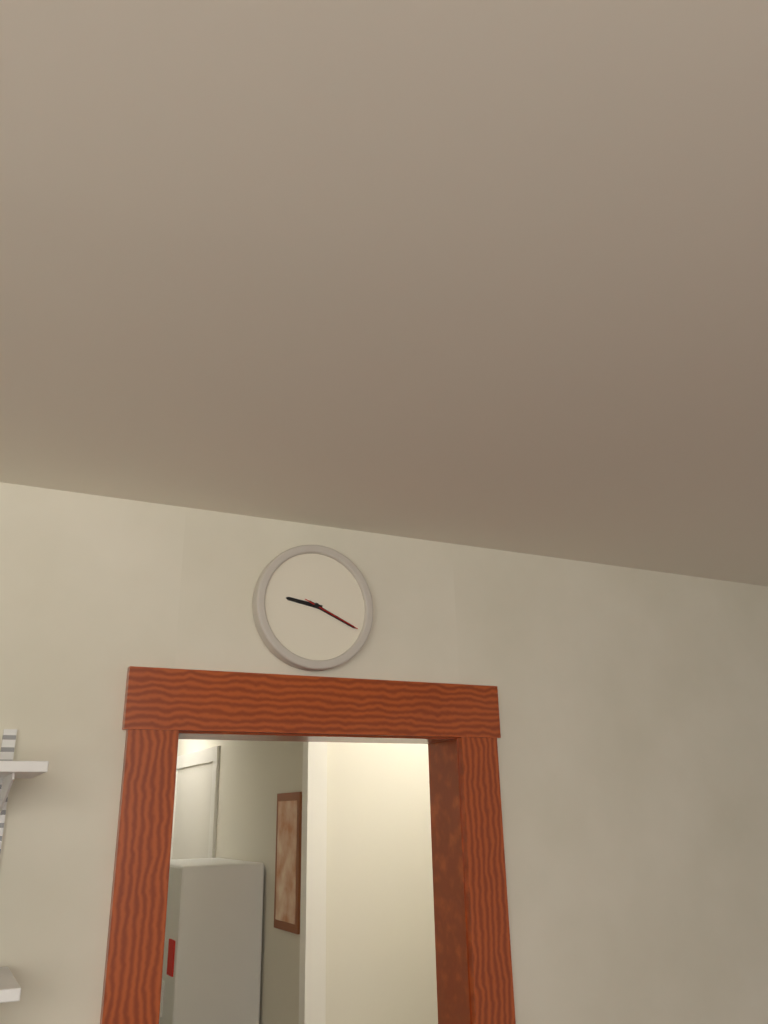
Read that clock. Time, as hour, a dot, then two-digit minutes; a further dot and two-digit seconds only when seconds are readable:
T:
9.19.19
